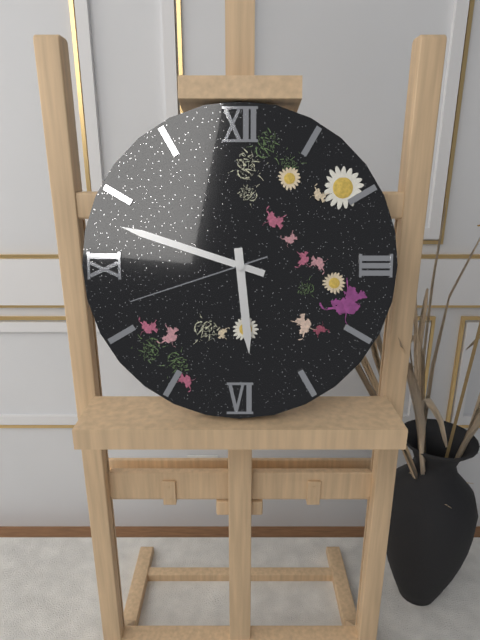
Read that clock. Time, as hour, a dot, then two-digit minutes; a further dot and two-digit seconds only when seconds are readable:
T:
5.48.42
